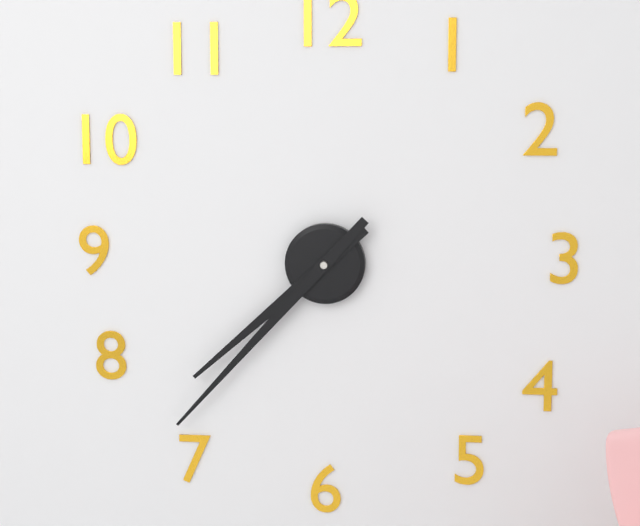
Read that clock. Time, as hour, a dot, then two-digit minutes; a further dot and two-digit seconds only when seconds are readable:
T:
7.37
